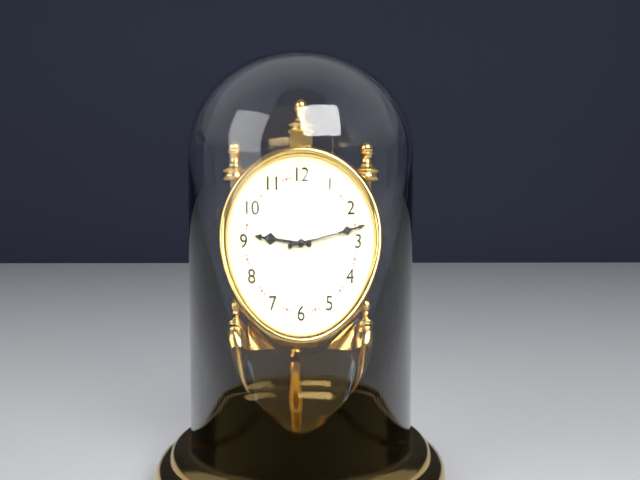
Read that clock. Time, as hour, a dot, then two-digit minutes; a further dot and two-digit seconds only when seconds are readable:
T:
9.13
